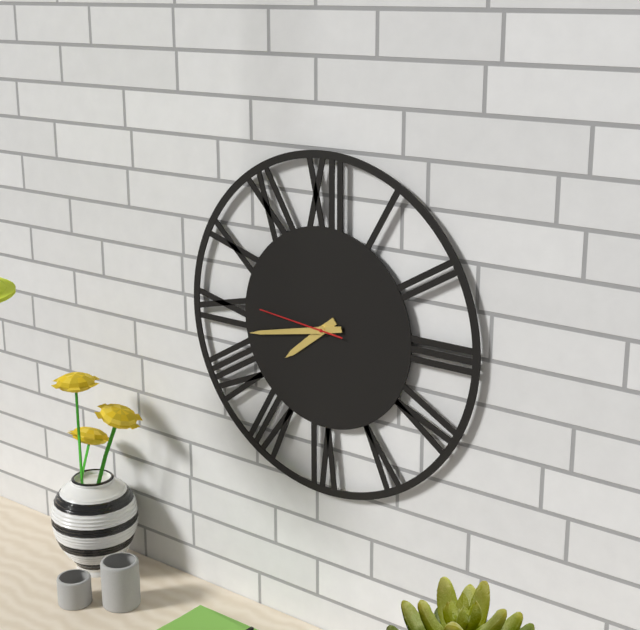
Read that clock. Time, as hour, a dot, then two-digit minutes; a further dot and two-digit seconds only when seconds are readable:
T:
7.43.46
